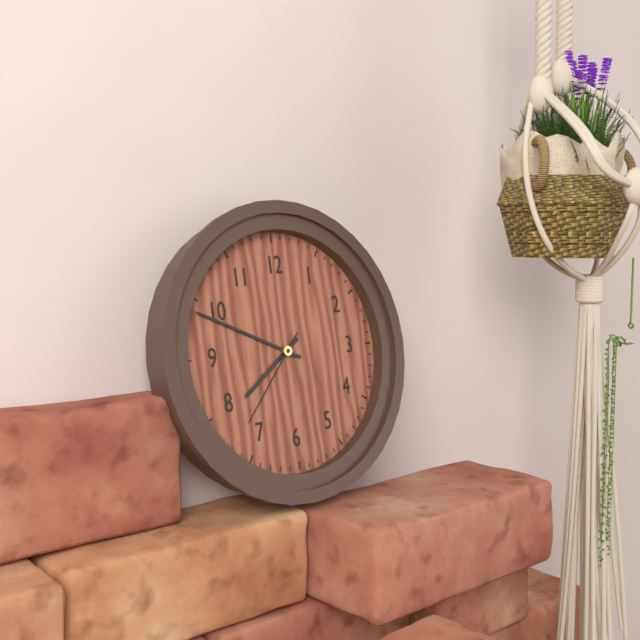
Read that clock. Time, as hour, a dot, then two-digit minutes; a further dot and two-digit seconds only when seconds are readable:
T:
7.49.37
